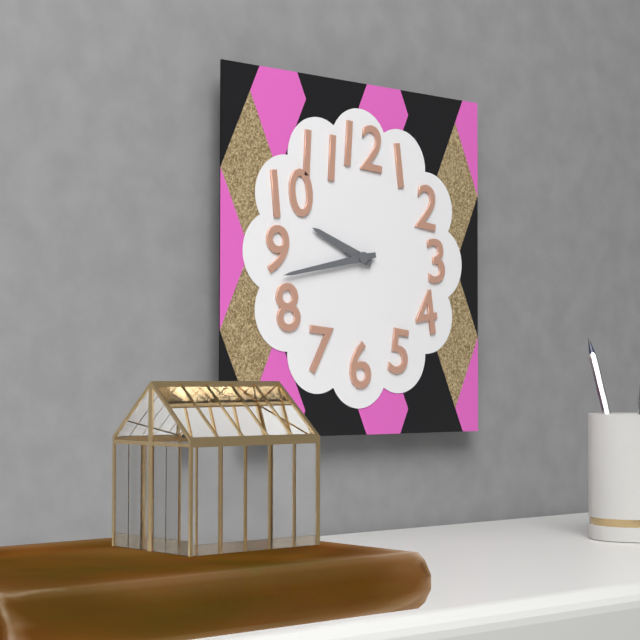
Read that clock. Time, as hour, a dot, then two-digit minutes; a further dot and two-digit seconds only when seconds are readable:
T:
9.43
